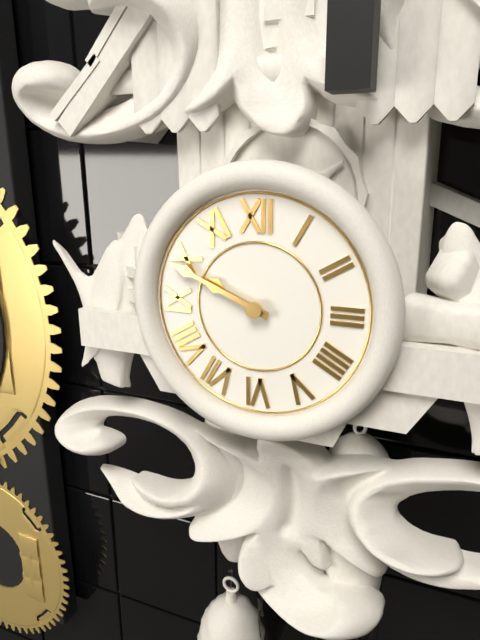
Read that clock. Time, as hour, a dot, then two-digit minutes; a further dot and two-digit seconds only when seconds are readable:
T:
9.49
